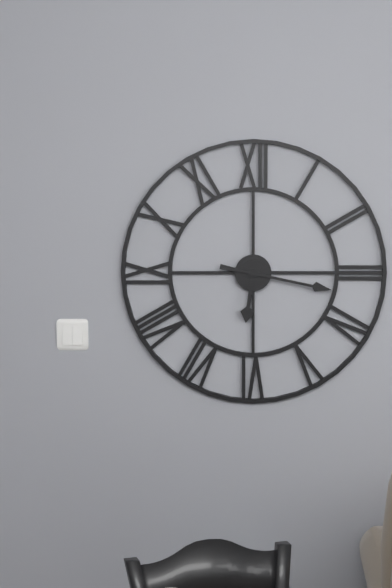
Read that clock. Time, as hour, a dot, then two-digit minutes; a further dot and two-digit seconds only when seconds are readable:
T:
6.17
